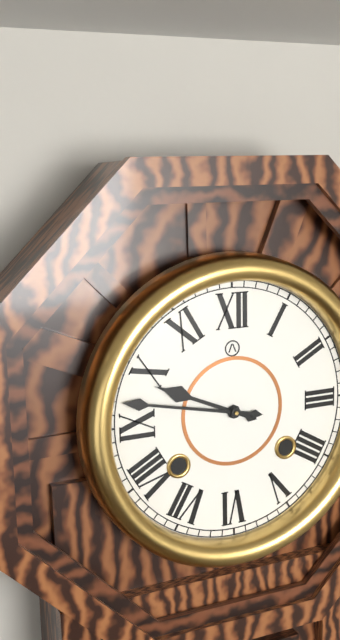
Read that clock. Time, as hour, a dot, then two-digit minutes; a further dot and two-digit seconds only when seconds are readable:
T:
9.47
